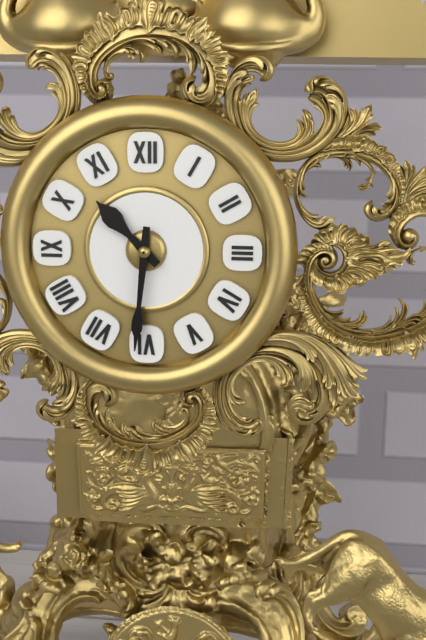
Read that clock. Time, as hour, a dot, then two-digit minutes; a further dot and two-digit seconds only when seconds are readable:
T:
10.31
